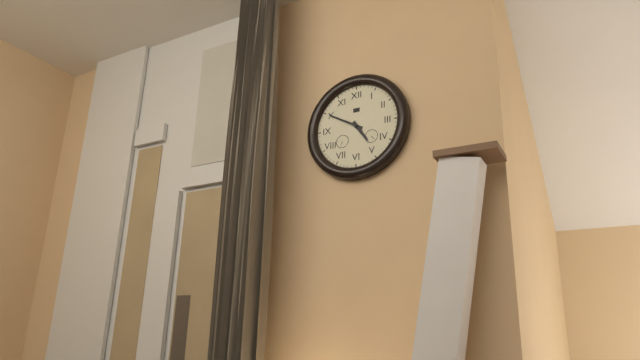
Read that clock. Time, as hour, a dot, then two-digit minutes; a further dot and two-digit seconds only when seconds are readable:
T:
4.50
